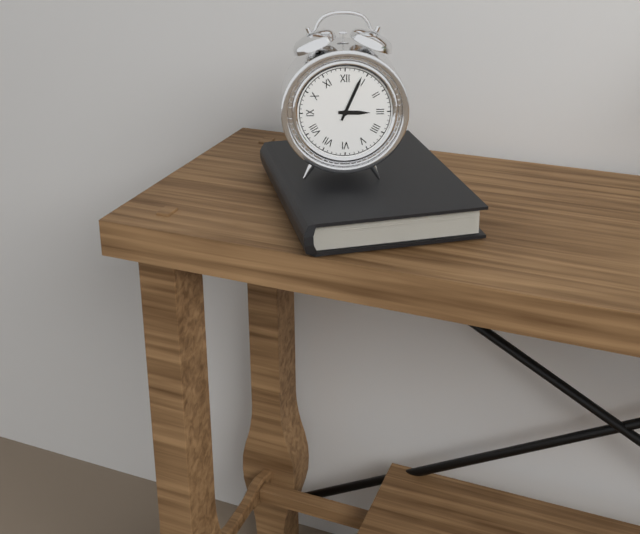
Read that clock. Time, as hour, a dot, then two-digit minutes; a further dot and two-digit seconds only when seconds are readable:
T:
3.04
